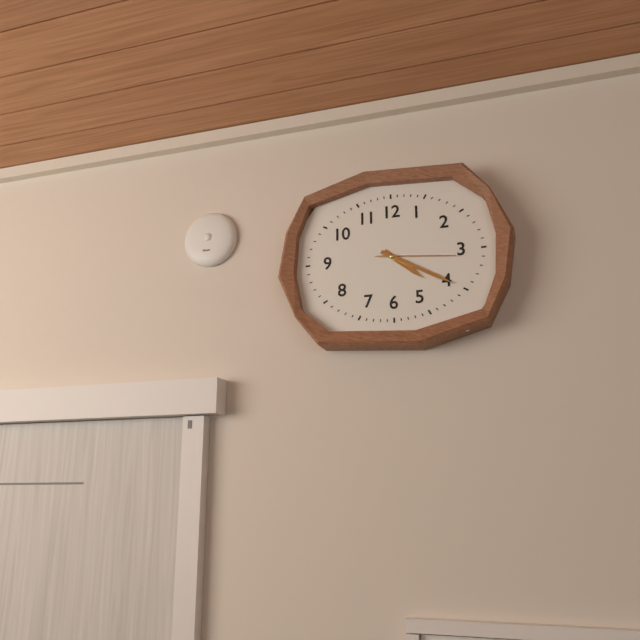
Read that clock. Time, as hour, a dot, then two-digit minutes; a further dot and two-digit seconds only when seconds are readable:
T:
4.20.16
